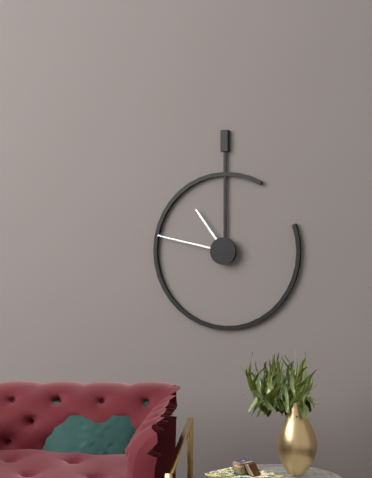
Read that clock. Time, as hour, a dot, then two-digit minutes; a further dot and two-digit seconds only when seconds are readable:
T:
10.47
